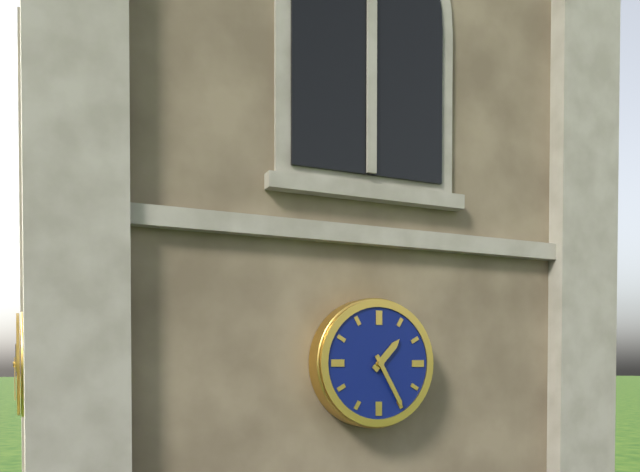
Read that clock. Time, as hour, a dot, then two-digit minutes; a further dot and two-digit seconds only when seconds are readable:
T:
1.25
